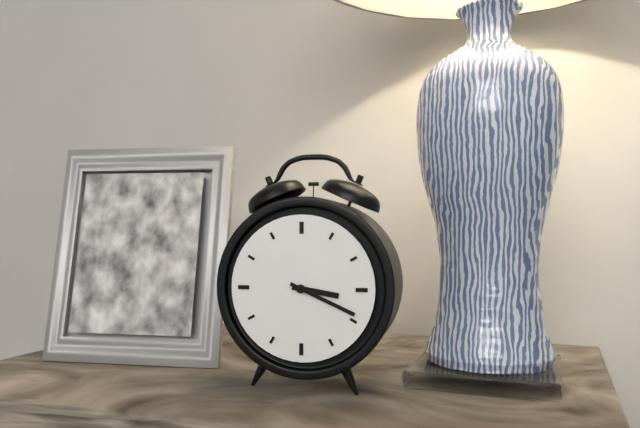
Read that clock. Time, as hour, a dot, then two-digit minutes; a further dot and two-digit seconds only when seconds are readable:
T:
3.19
